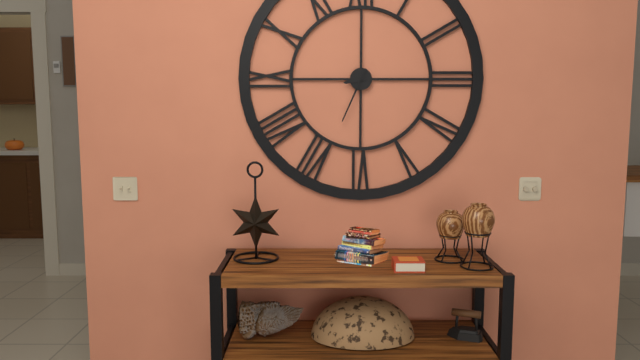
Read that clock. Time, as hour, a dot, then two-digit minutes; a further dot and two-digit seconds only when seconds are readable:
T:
8.34
